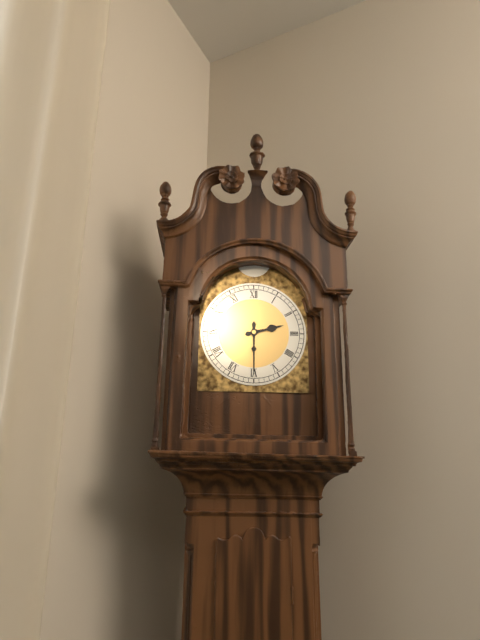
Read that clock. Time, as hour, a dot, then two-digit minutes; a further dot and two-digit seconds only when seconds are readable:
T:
2.30
